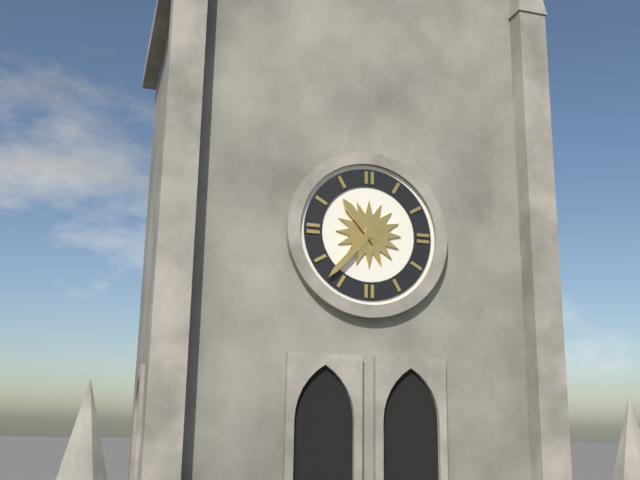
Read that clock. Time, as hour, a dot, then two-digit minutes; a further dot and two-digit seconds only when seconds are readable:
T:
10.37
